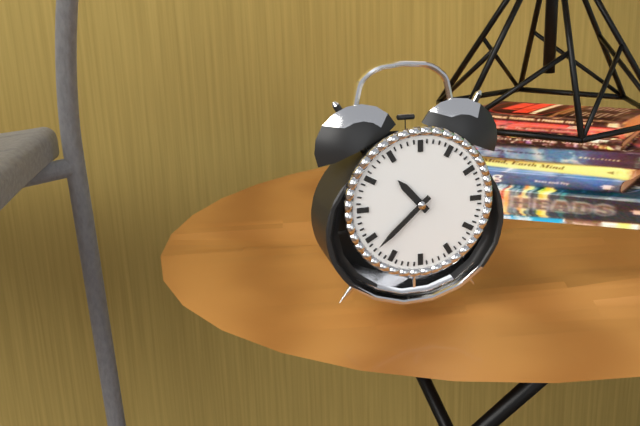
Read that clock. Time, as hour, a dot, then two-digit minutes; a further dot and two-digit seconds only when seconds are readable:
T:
10.38
